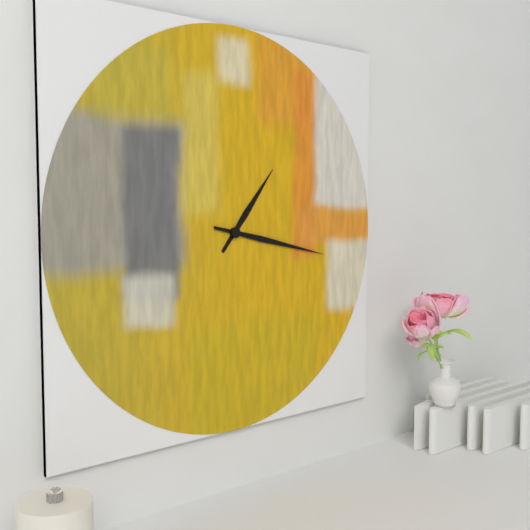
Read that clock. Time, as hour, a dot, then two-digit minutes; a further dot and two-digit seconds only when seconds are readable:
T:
1.17
